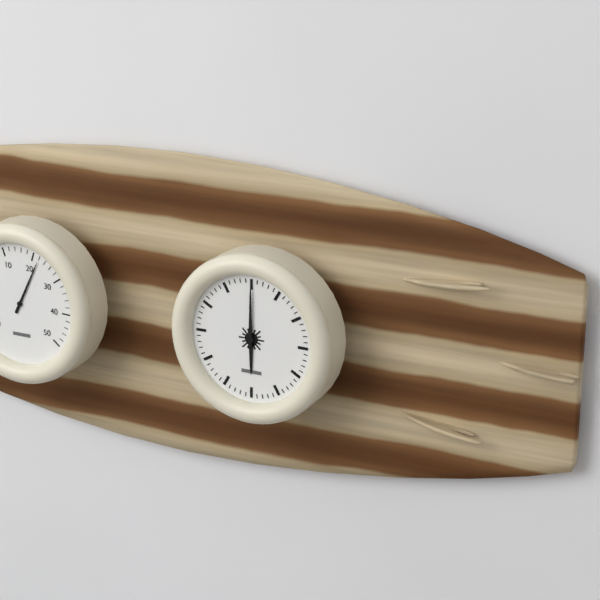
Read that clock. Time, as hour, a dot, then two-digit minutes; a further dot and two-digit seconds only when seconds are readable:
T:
6.00
